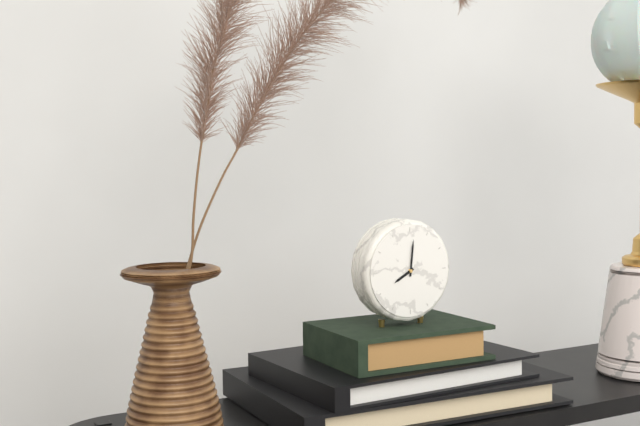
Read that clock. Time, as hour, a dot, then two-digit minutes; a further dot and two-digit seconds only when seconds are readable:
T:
8.01
